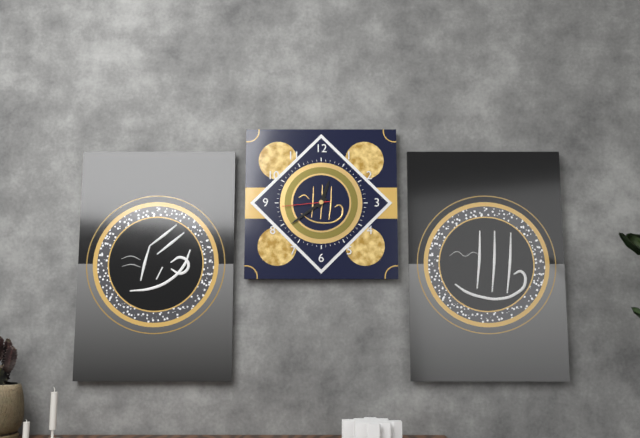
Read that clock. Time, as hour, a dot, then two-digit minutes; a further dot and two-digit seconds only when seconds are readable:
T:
12.39
